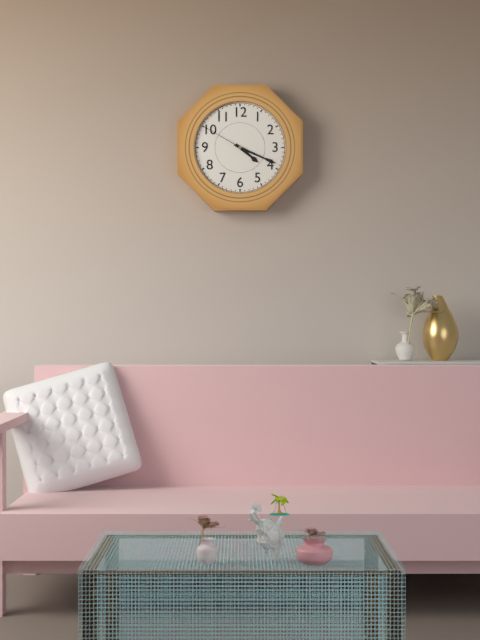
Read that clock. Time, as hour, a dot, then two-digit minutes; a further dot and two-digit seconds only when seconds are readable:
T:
4.19.50
